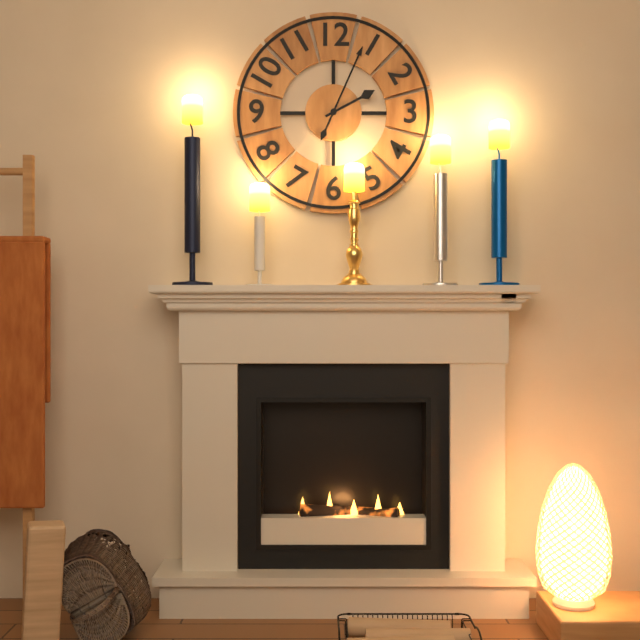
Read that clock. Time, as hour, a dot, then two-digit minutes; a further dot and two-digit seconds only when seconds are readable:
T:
2.04
